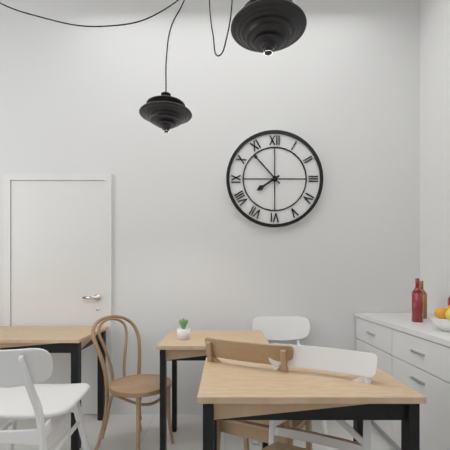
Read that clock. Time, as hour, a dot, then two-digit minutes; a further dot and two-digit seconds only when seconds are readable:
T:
7.53
